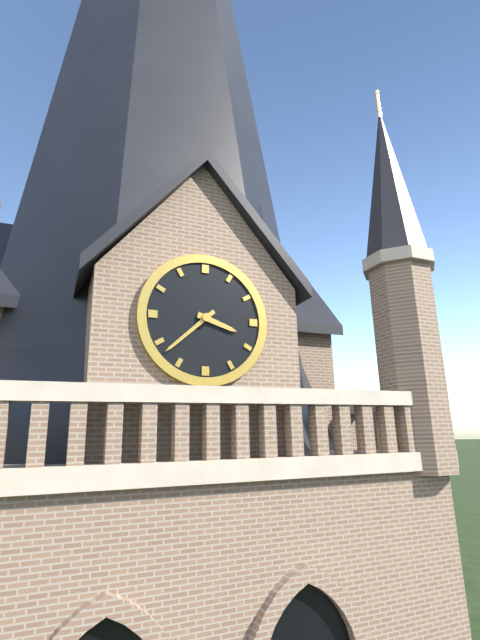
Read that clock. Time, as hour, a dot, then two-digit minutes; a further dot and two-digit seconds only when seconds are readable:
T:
3.38
